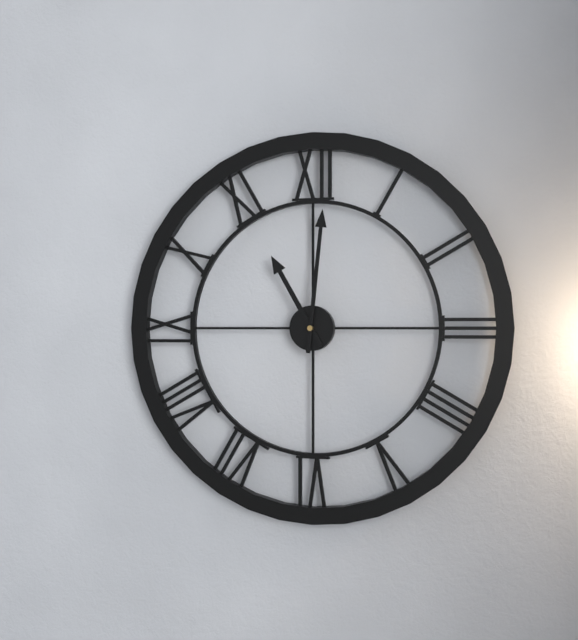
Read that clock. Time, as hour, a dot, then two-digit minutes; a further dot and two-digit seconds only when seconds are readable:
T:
11.01
